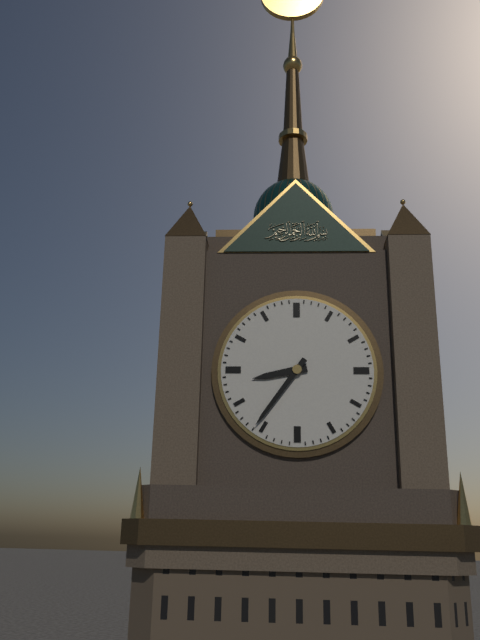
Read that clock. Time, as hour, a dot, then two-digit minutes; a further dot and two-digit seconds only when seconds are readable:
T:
8.36
